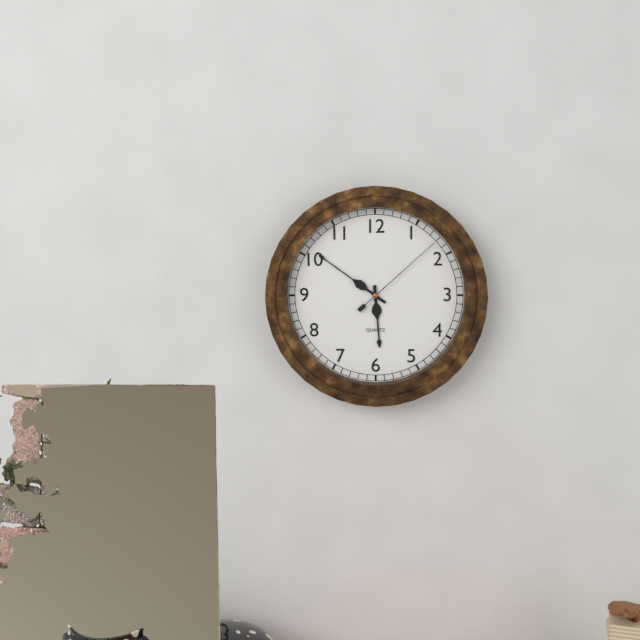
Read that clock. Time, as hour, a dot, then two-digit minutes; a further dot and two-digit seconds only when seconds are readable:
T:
5.51.08
